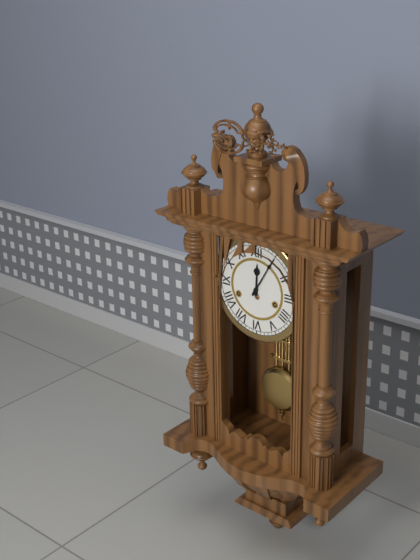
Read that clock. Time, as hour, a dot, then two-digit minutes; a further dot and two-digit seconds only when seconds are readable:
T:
12.05
